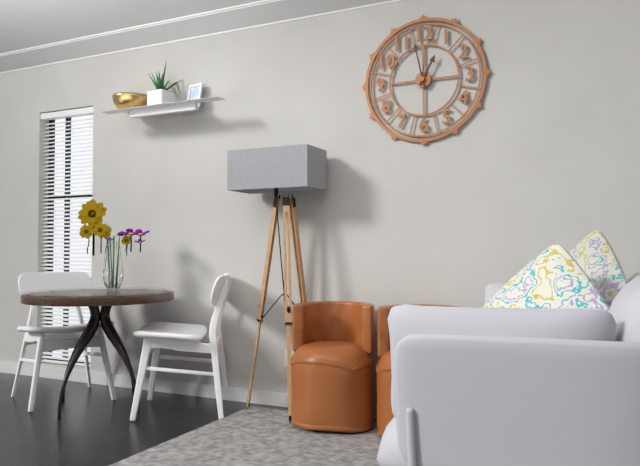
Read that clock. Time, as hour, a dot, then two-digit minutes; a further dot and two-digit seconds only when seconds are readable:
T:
12.58
